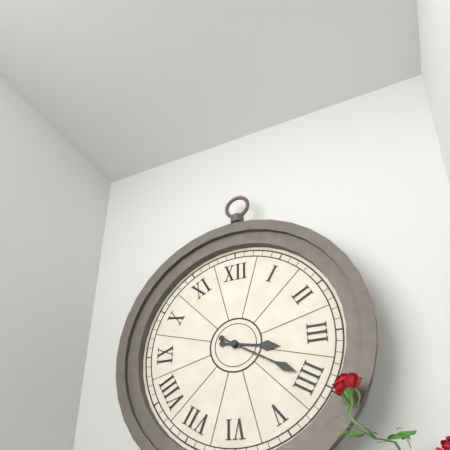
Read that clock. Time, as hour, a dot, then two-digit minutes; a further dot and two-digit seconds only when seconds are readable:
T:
3.20
